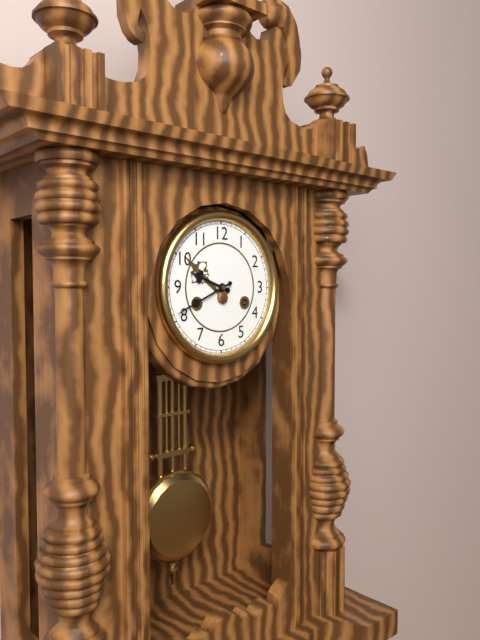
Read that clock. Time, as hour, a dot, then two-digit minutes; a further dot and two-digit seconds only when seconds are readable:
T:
9.41
